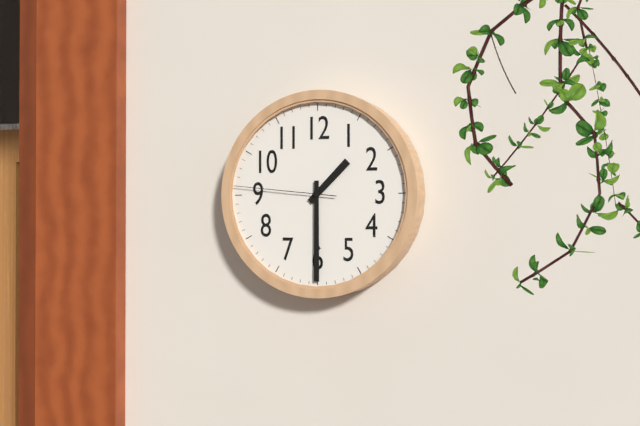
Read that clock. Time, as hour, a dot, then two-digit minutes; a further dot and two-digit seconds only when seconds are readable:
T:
1.30.46
